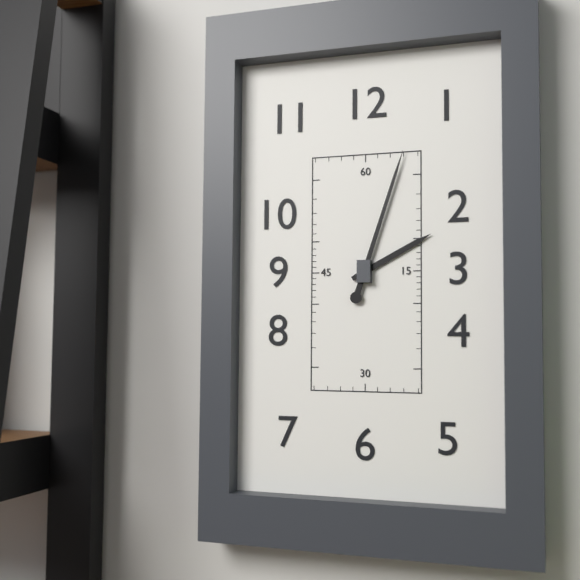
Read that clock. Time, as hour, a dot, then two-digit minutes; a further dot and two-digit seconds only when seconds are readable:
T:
2.03
